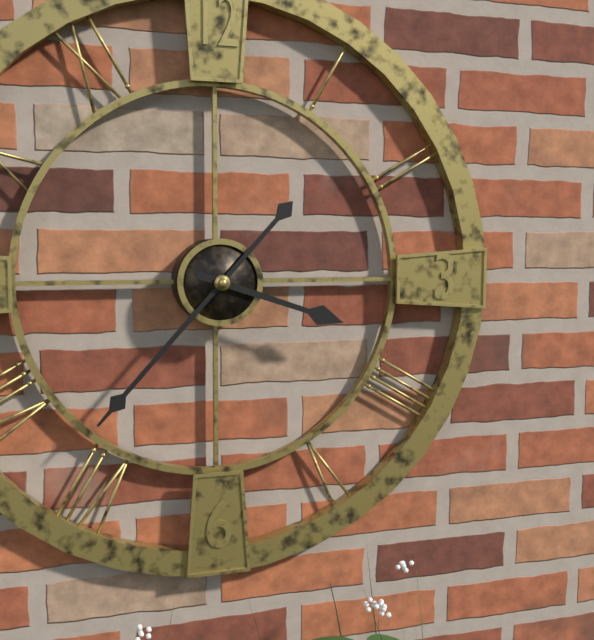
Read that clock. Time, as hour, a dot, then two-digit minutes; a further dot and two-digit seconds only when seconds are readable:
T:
3.37
